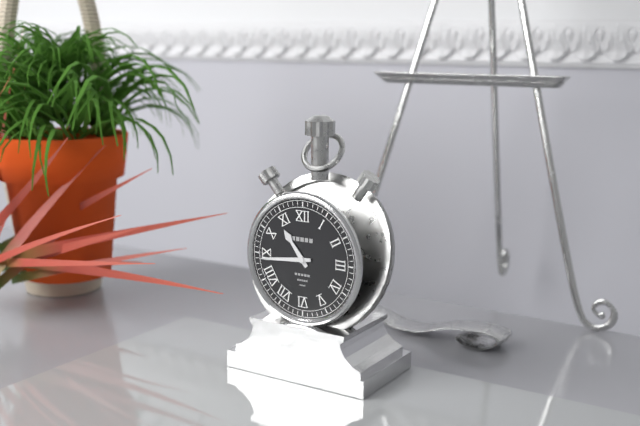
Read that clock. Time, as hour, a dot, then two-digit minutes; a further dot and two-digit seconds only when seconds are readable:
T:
10.44
